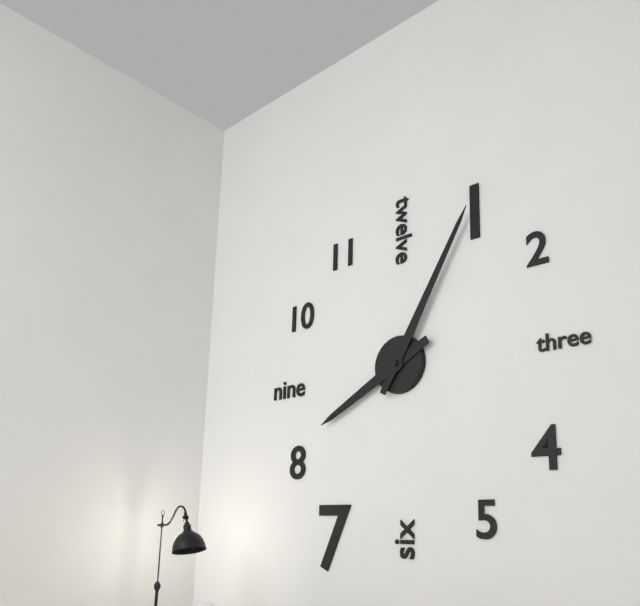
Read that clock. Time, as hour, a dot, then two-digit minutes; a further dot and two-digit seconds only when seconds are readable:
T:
8.05
